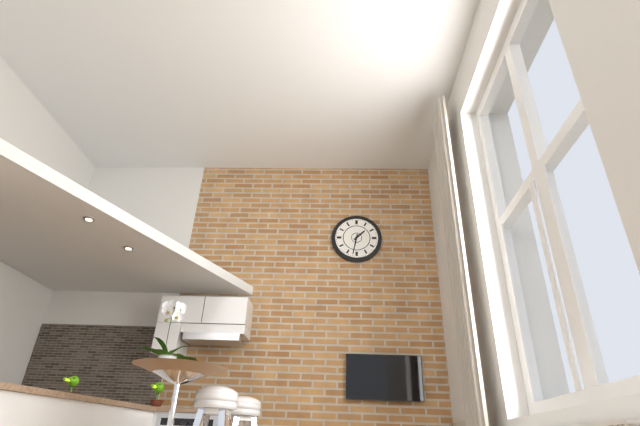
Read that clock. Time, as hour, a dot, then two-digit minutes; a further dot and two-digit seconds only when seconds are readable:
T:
1.32
